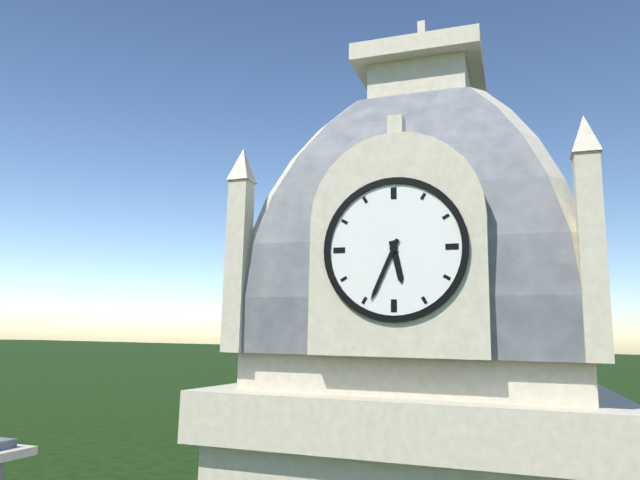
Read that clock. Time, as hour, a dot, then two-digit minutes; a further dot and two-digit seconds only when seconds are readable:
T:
5.34
